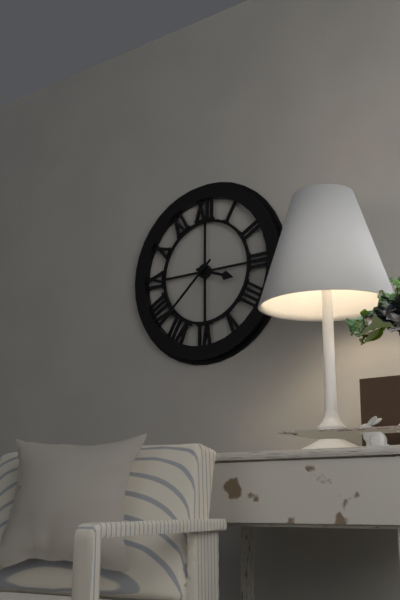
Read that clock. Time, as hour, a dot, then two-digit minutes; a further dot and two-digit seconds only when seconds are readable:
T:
3.38
